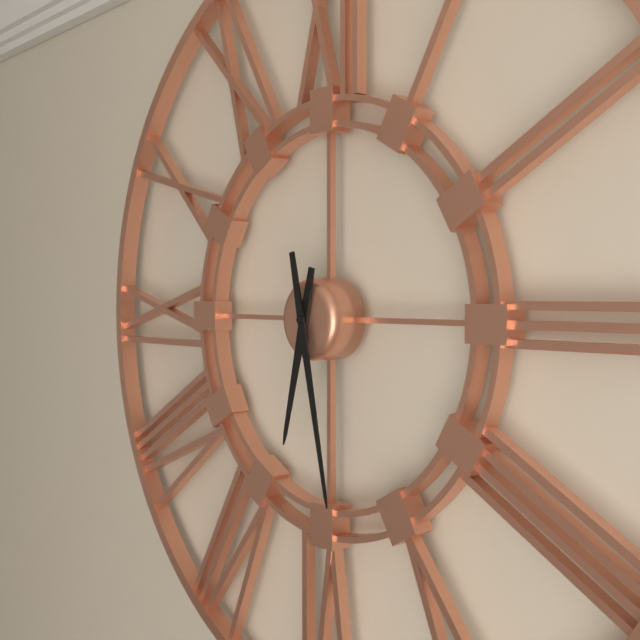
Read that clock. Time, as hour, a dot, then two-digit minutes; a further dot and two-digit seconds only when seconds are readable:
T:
6.28
